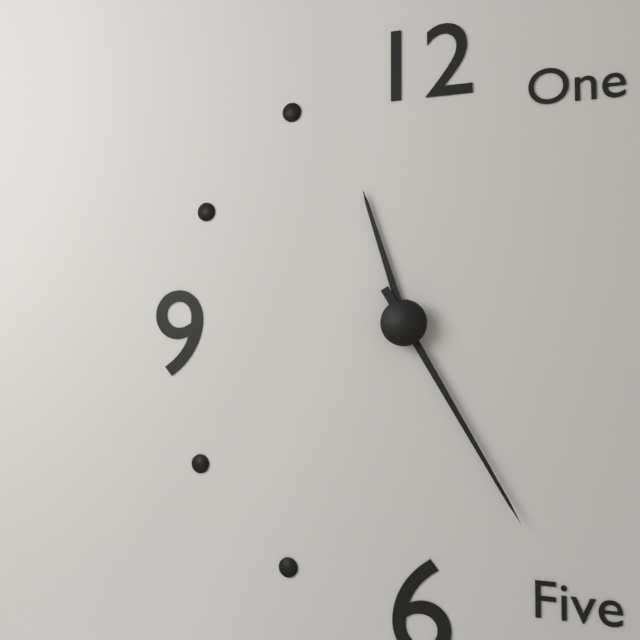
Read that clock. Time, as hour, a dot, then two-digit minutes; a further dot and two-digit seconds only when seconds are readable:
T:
11.25
